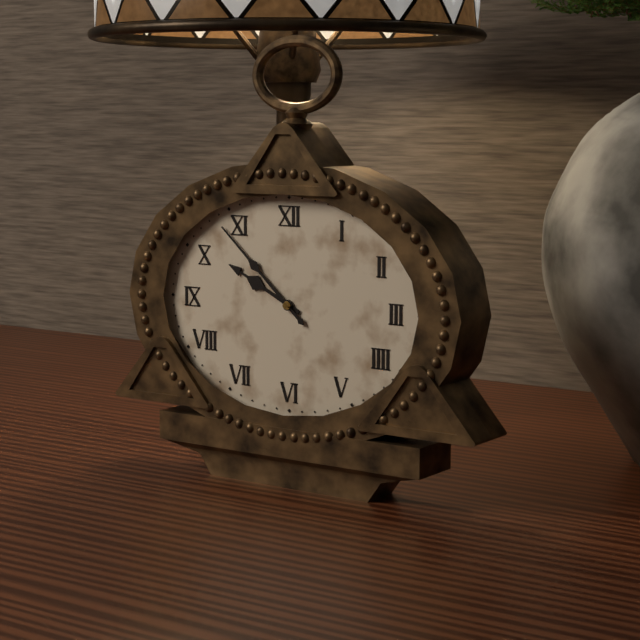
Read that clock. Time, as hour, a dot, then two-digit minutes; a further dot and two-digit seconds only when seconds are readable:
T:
9.52
